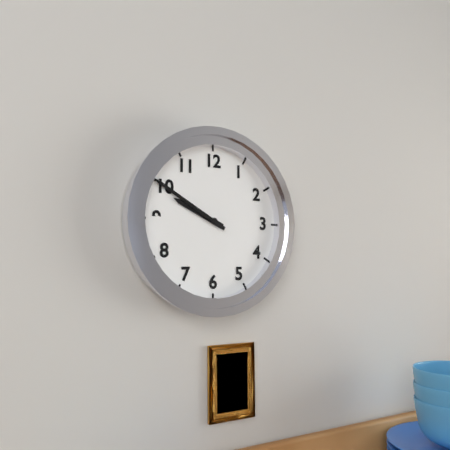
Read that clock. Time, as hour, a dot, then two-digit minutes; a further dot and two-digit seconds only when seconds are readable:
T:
9.50
